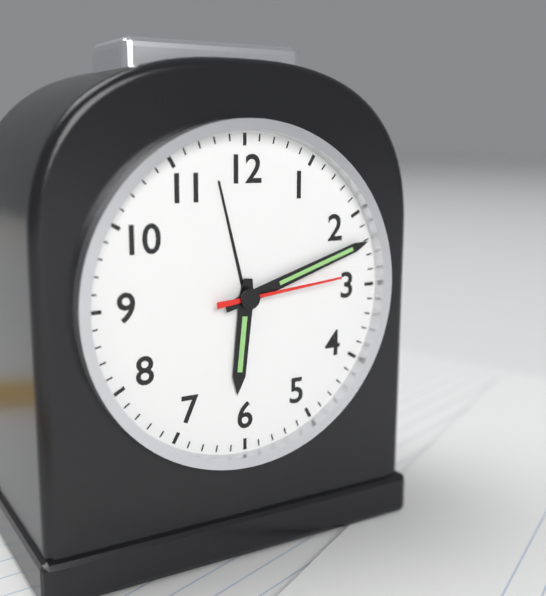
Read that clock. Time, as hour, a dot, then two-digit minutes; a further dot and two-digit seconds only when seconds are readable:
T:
6.12.14
